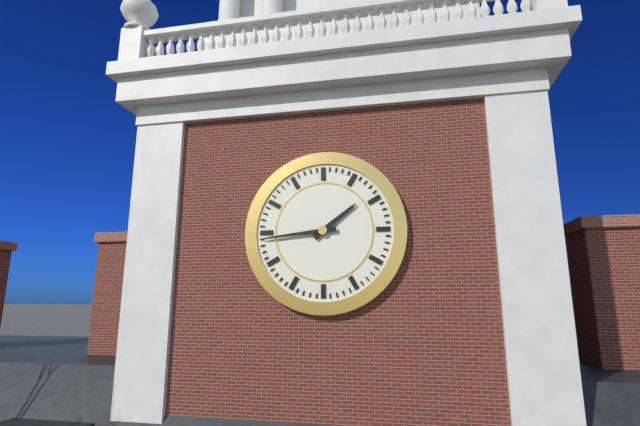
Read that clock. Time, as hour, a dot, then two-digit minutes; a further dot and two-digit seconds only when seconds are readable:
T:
1.44
